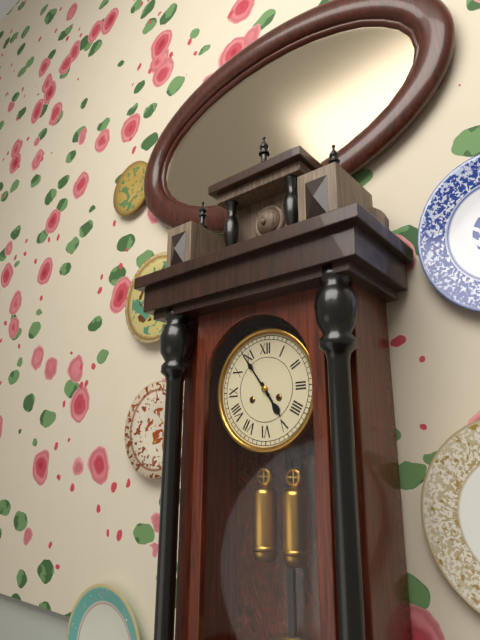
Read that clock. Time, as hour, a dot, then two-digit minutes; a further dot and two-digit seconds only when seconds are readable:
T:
4.54
